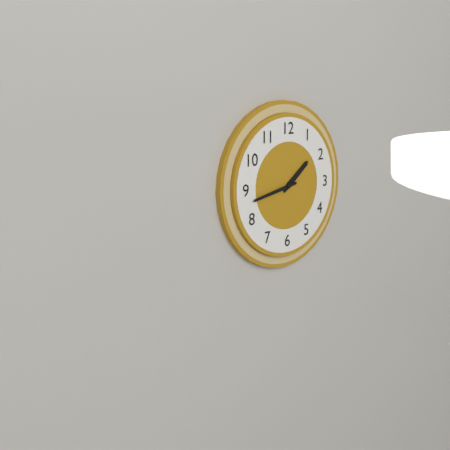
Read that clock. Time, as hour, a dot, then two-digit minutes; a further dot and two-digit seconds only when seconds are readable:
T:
1.43
